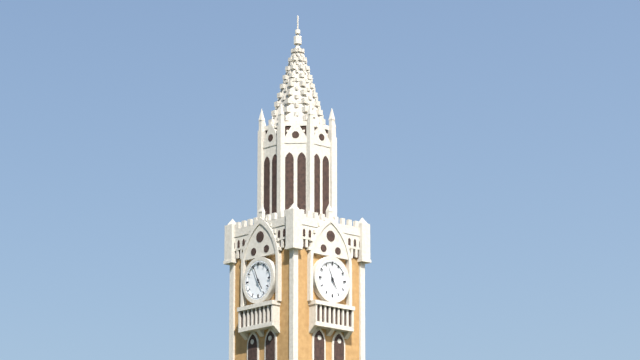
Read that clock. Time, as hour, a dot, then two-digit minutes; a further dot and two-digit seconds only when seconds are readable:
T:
4.56
